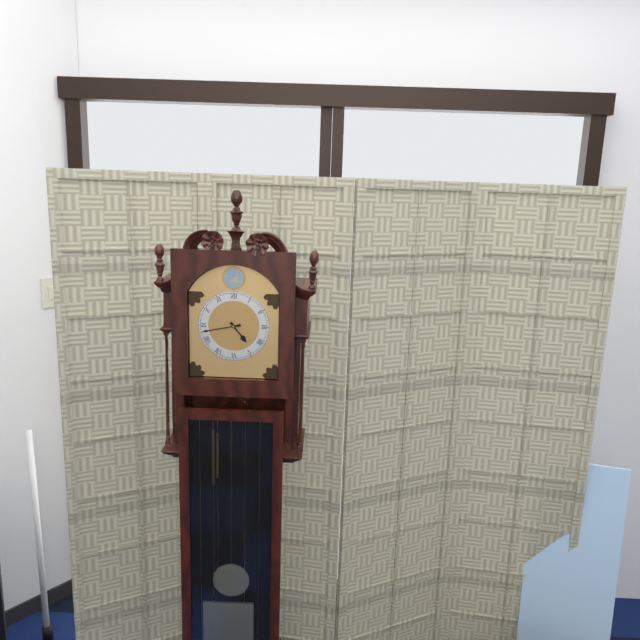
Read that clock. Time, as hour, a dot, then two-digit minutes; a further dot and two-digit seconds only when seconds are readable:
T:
4.43
